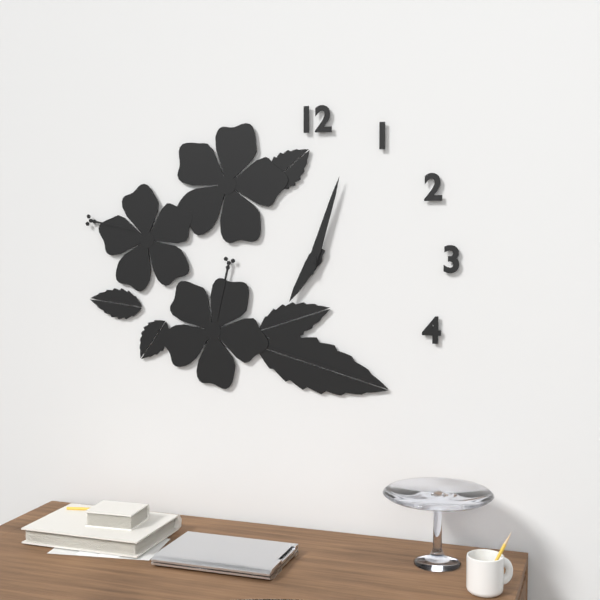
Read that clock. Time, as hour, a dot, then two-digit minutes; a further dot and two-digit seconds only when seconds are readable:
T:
7.03
